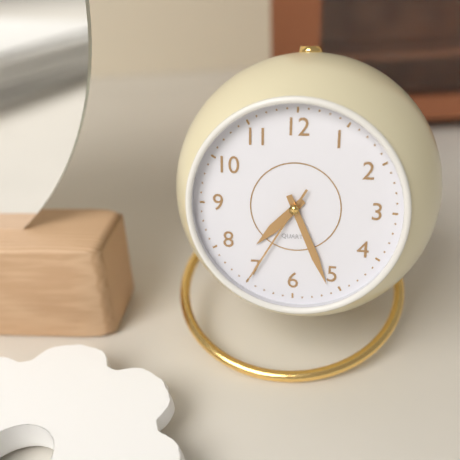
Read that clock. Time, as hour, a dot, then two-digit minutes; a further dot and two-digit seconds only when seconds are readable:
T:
7.26.35
